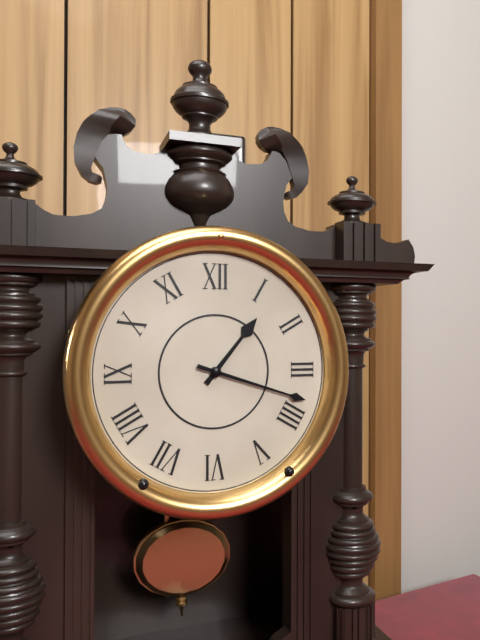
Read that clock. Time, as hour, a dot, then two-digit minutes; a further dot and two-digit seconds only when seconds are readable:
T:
1.18
